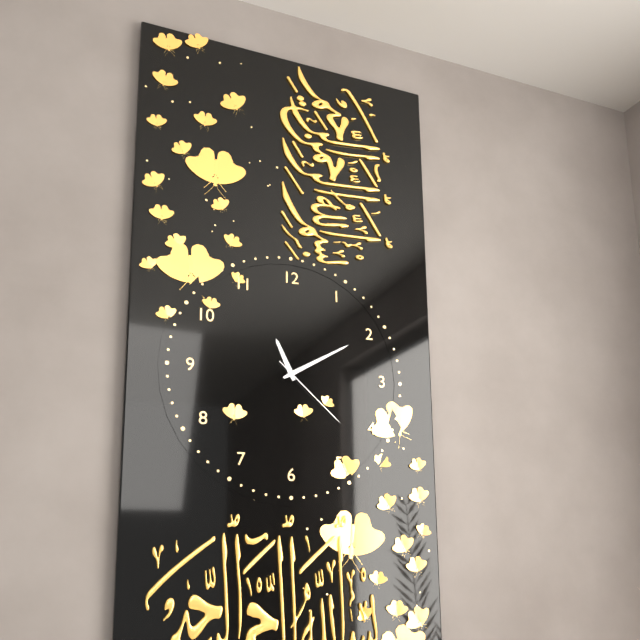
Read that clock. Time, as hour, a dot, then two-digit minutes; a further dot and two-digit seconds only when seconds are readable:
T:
11.10.22
